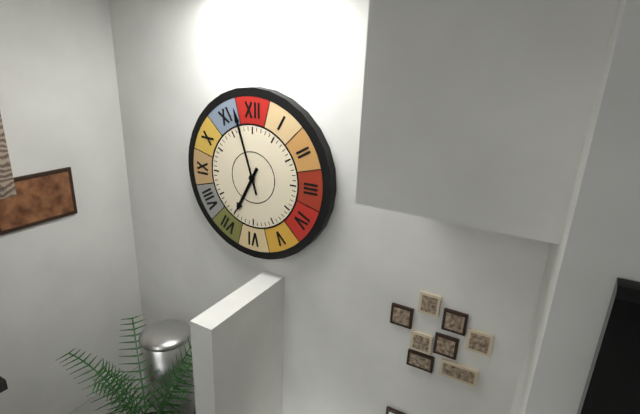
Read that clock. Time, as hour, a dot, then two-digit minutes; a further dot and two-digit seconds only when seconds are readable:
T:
6.57
